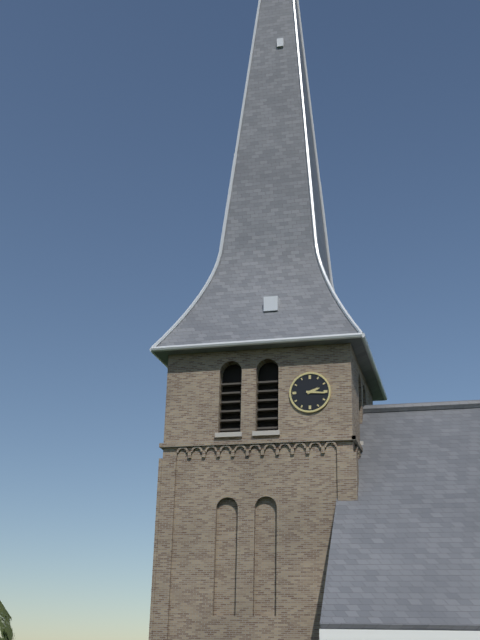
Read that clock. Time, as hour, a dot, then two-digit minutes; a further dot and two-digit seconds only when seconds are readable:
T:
2.16
